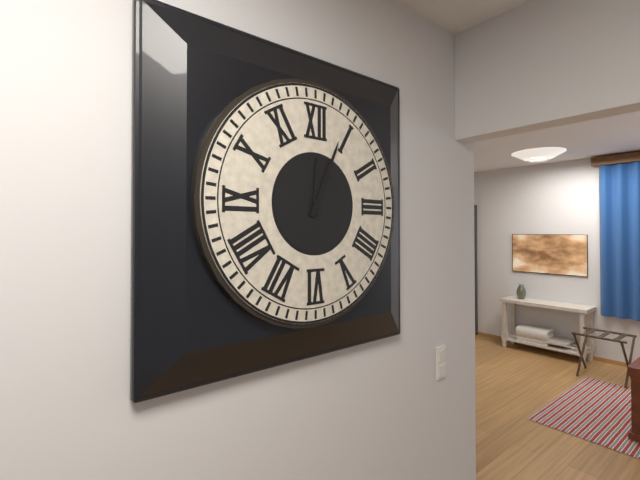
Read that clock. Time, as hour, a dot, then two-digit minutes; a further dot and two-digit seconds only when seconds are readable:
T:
12.04
